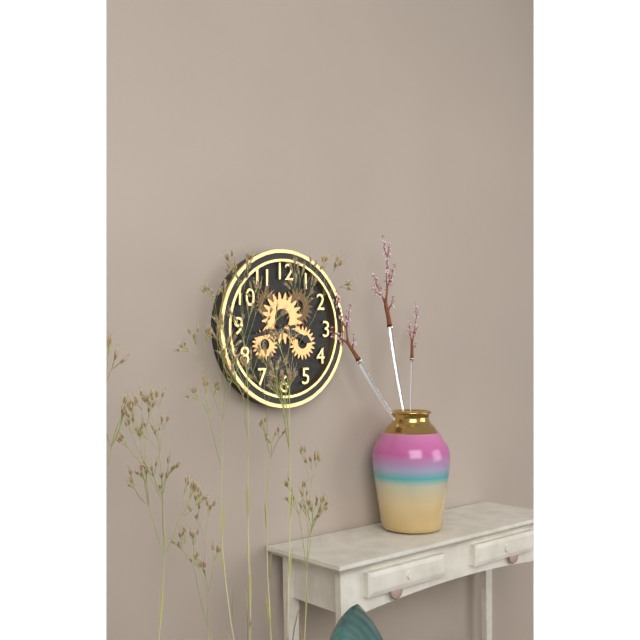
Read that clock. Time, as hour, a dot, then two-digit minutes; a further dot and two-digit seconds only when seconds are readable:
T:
3.43
